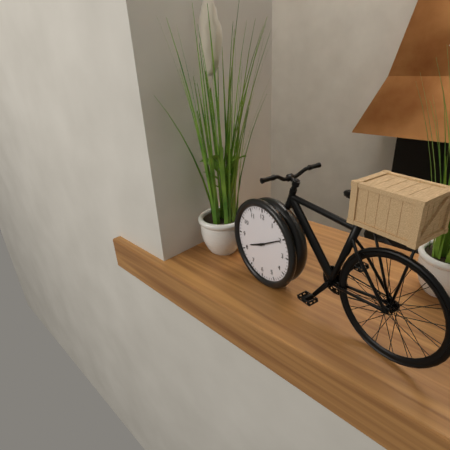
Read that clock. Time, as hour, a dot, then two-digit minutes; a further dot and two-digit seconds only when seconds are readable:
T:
8.10
